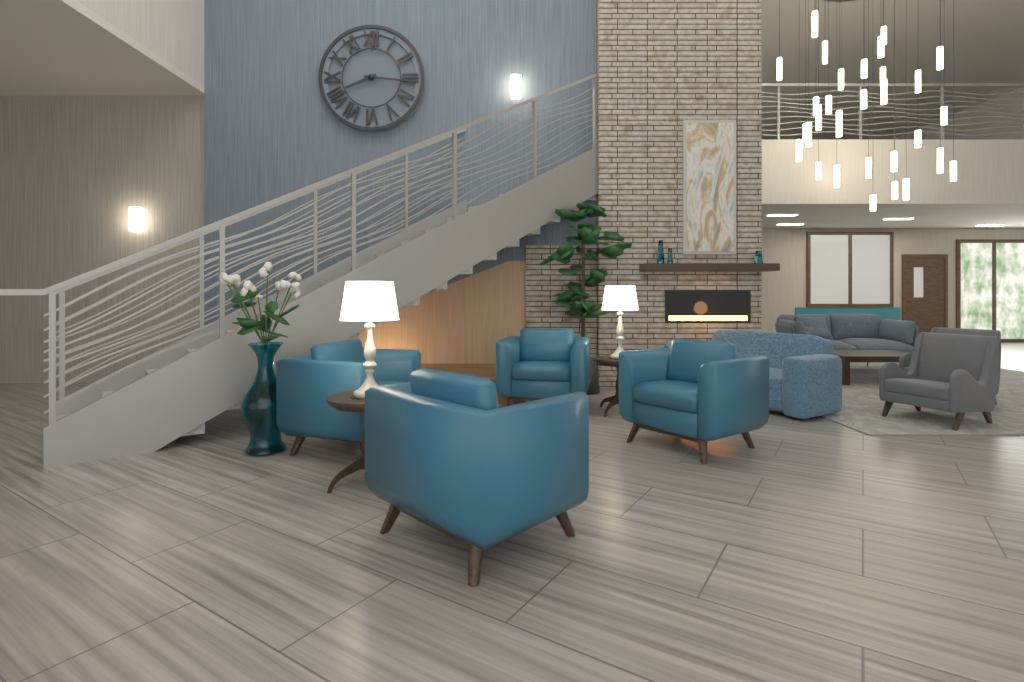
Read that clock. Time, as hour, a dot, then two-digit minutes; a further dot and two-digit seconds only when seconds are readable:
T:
8.16
